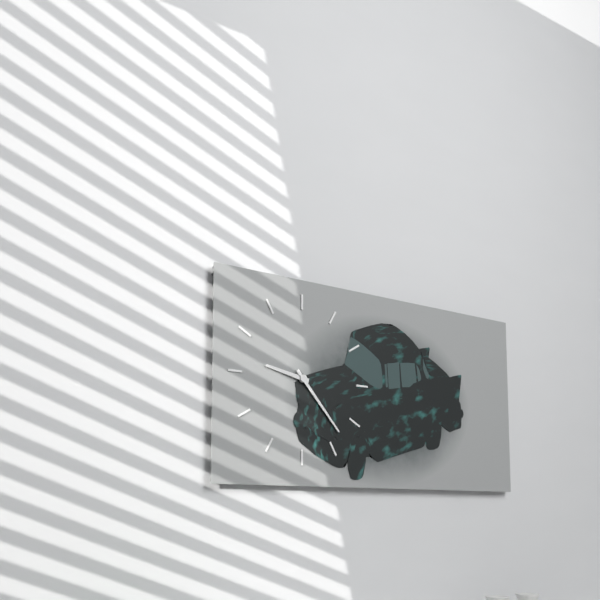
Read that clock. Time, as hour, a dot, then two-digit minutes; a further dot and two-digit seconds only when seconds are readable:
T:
9.23
